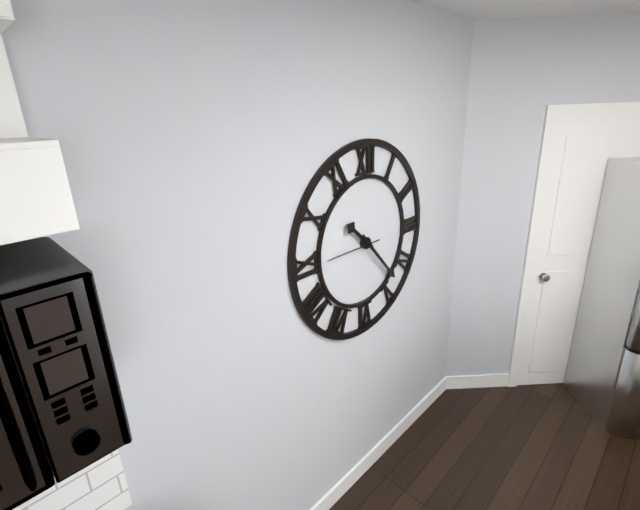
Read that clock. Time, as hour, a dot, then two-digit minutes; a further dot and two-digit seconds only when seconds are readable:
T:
10.23.45
